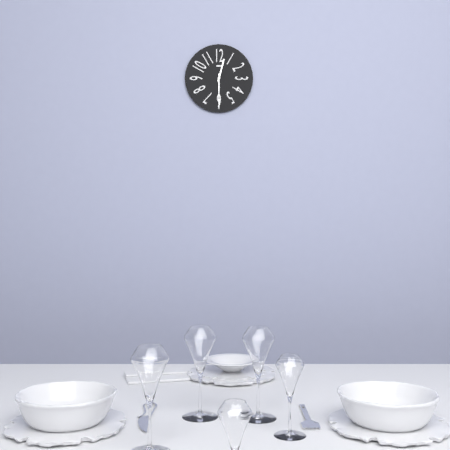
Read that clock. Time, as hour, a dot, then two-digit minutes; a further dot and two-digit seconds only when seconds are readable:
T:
12.30
